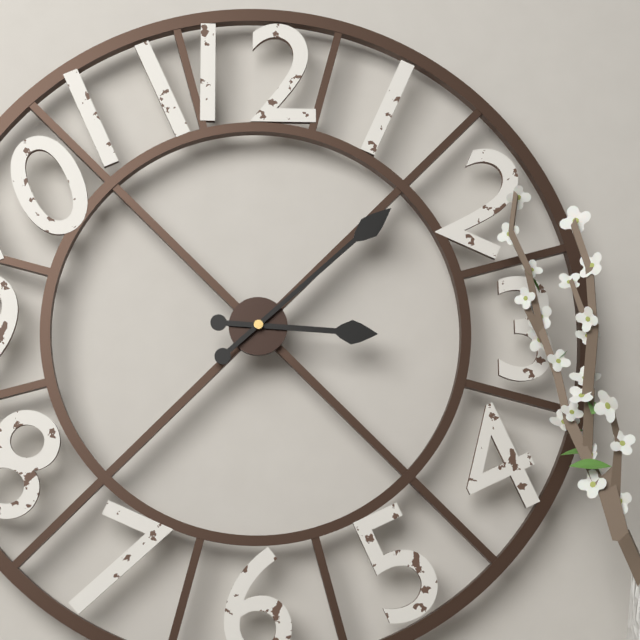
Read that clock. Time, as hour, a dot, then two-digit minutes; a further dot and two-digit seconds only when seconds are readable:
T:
3.08
